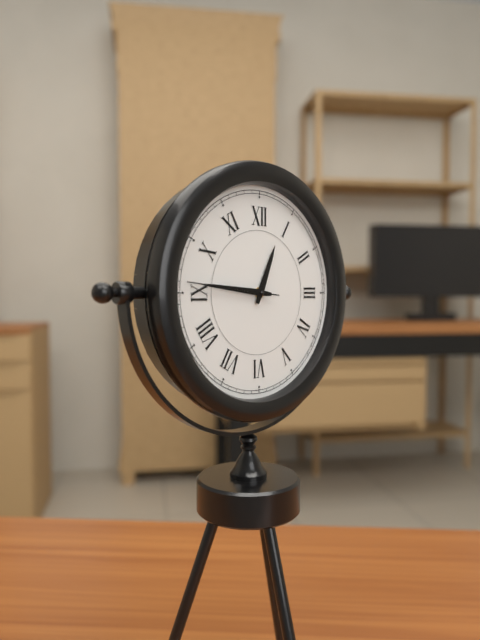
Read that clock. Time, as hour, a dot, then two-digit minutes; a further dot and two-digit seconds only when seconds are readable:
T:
12.46.46
